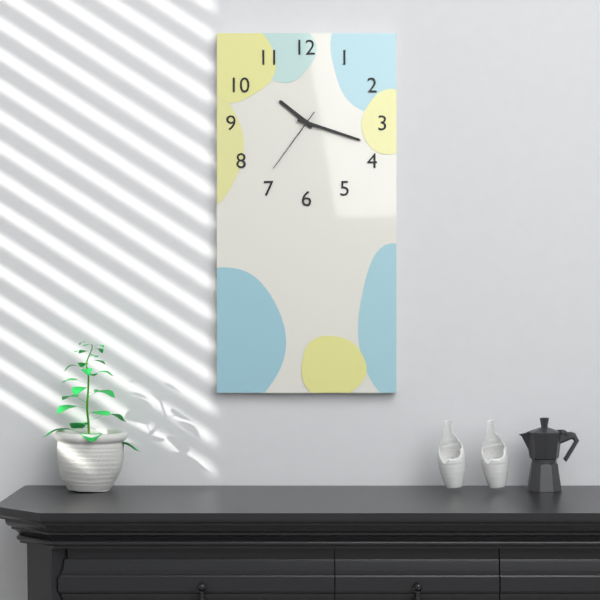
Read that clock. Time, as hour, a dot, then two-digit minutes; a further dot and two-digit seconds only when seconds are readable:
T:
10.18.36
